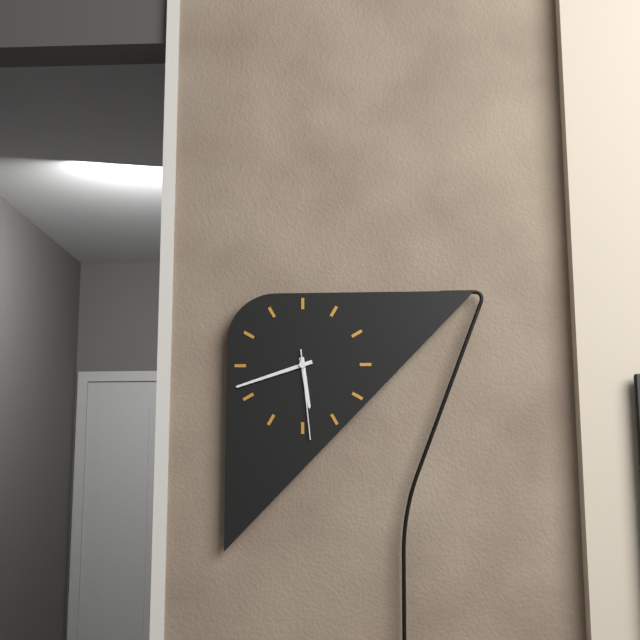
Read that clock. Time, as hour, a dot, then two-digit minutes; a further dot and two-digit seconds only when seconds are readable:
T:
5.42.29
